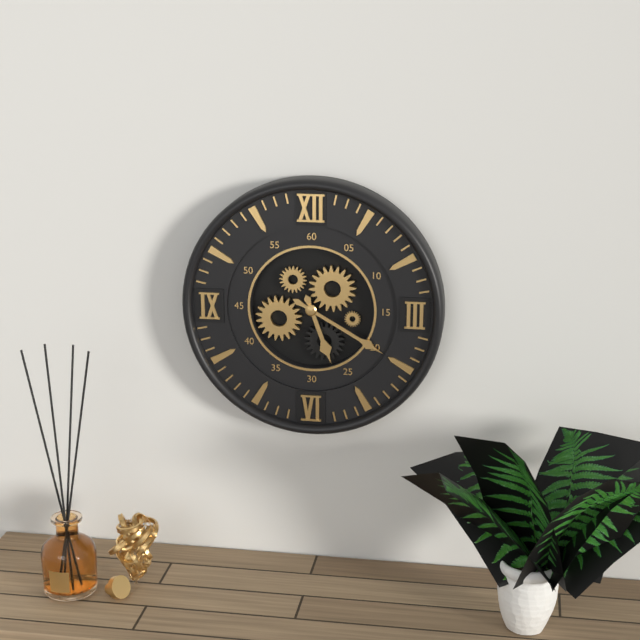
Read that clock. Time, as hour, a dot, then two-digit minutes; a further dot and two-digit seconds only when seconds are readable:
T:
5.20
